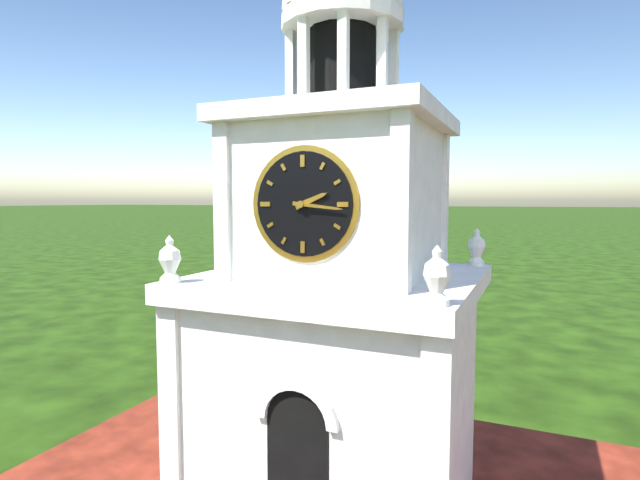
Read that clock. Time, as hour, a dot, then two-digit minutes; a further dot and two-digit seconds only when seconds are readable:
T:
2.16
